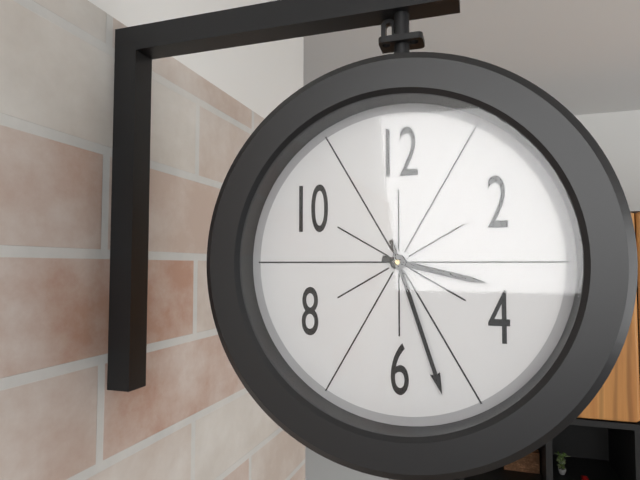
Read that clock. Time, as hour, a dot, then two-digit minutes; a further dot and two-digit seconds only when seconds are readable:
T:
3.27
